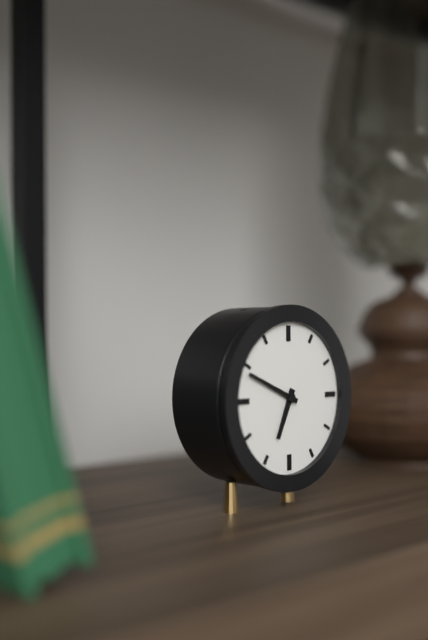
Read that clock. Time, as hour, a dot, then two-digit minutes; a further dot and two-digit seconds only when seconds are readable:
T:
6.49
